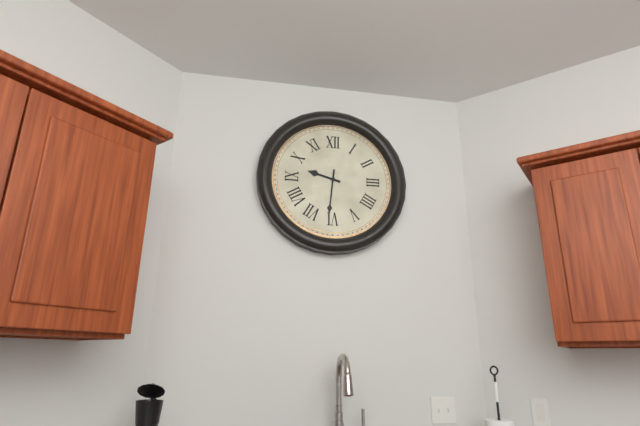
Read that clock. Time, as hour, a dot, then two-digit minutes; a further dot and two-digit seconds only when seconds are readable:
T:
9.31
